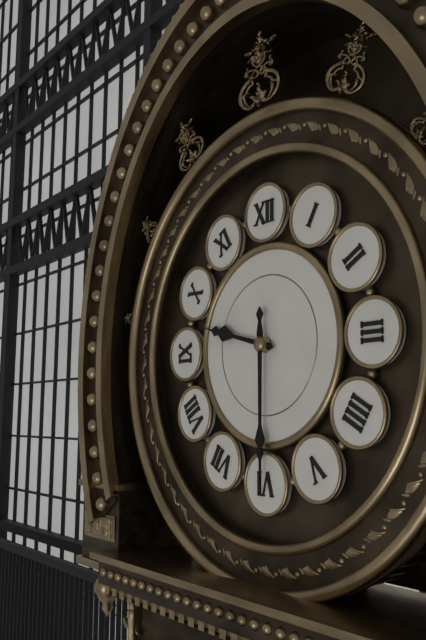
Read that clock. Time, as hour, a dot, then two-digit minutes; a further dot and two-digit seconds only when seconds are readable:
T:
9.30
